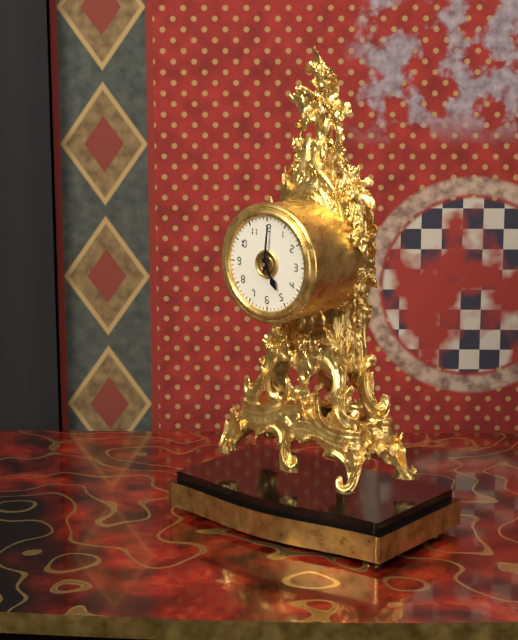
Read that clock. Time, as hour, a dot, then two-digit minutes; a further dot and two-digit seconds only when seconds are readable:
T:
5.01
